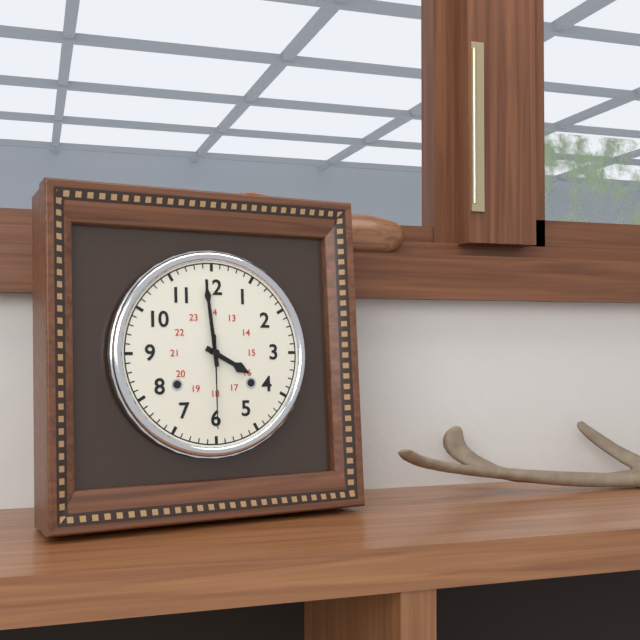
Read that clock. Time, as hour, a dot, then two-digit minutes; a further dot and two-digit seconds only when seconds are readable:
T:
3.59.30
